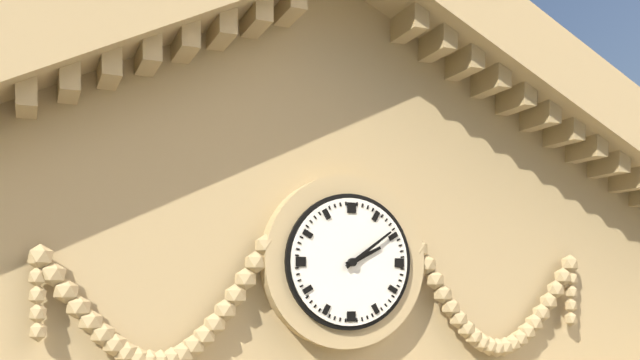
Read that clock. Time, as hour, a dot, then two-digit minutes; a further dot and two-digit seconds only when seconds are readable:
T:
2.09
